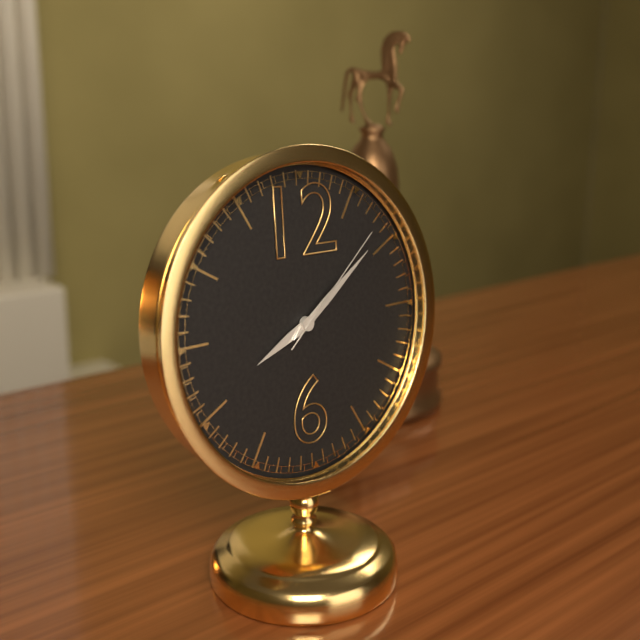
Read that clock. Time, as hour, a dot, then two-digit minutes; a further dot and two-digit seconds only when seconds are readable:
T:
8.09.08
